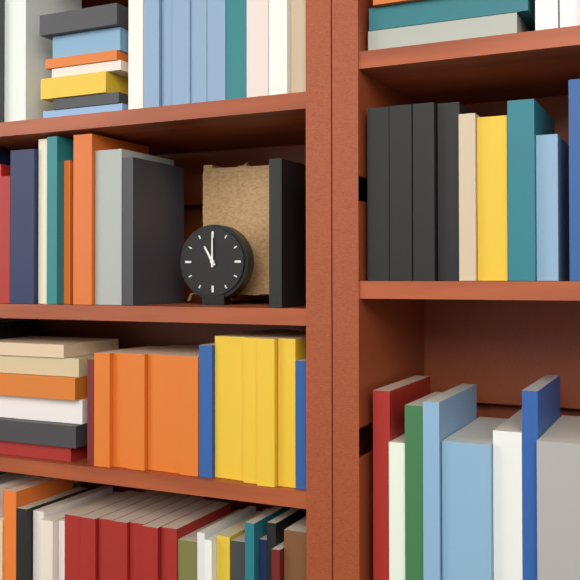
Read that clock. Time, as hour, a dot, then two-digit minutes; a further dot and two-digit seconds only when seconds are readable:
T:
11.00
